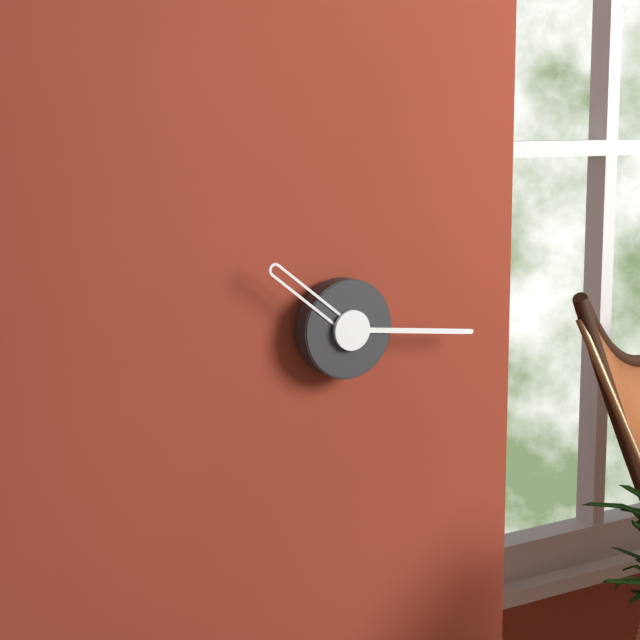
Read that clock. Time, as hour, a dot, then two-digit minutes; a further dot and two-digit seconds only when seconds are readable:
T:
10.16
